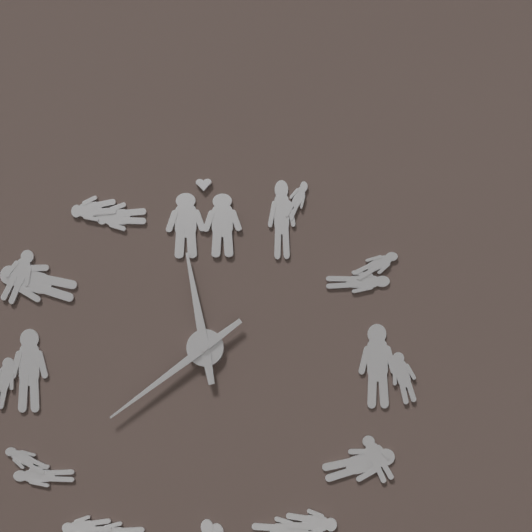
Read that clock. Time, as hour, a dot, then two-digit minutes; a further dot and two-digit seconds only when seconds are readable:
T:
11.39
